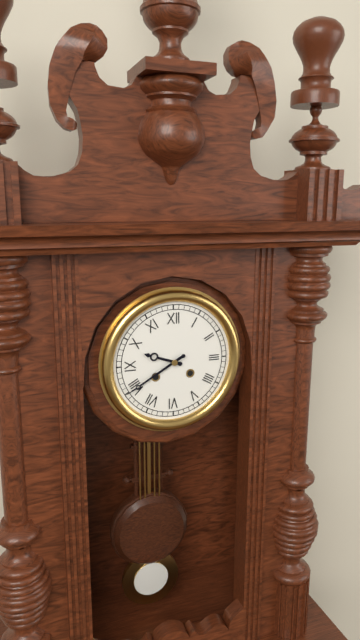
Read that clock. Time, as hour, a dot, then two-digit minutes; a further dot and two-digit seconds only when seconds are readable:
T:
9.40
